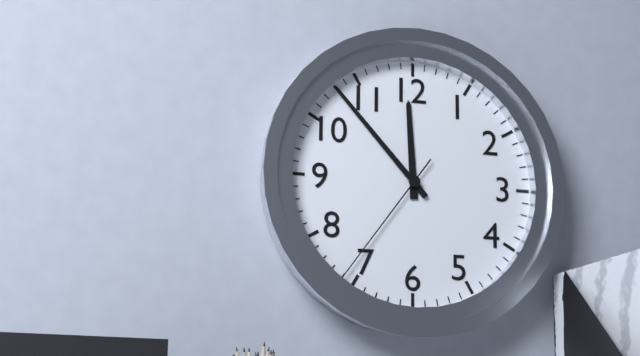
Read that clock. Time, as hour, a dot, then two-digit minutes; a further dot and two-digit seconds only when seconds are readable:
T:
11.53.36
